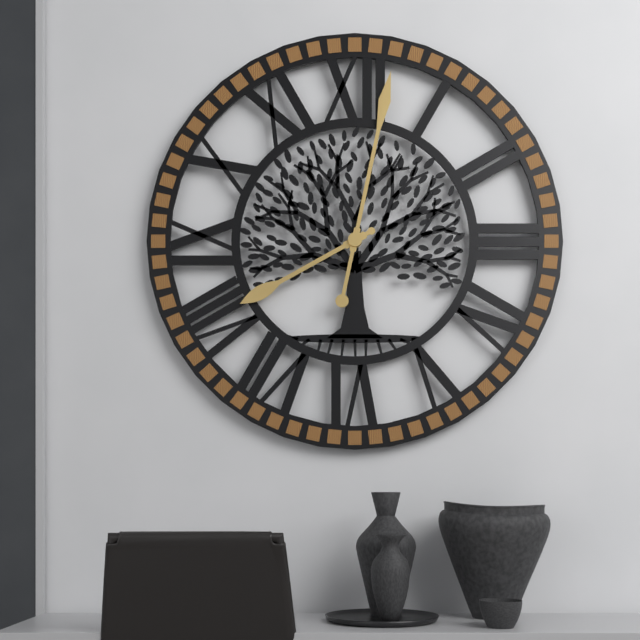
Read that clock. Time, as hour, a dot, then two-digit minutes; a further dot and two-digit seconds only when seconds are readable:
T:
8.02
